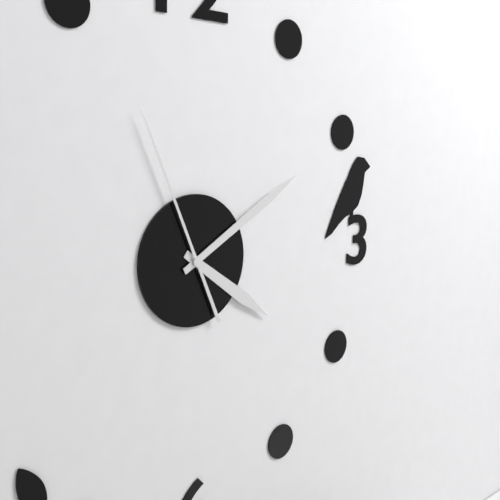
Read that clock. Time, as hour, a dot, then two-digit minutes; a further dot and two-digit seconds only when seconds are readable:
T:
4.10.56
